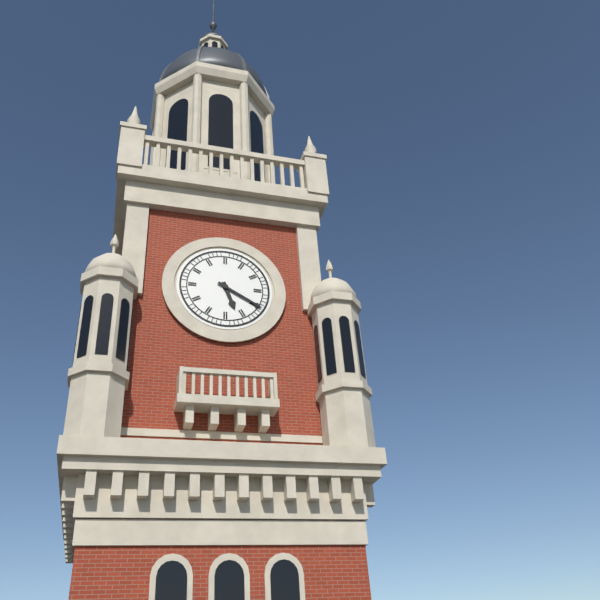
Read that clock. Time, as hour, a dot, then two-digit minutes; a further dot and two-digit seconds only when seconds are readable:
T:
5.20
